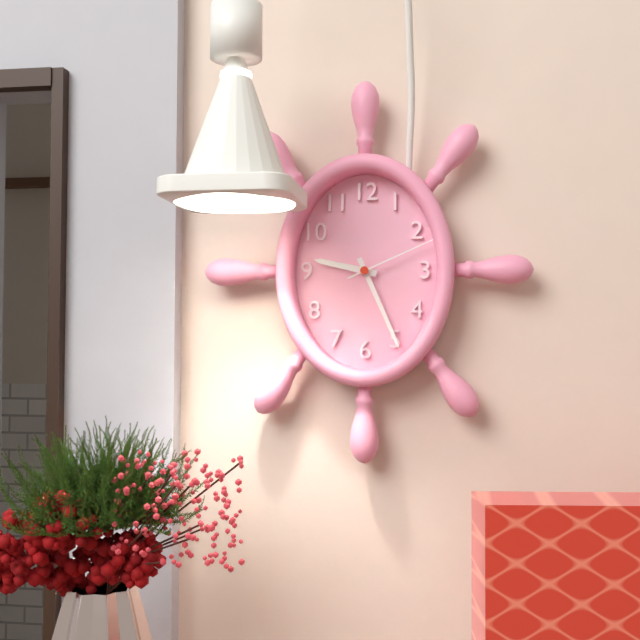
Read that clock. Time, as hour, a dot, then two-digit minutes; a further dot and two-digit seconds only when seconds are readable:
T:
9.26.11
